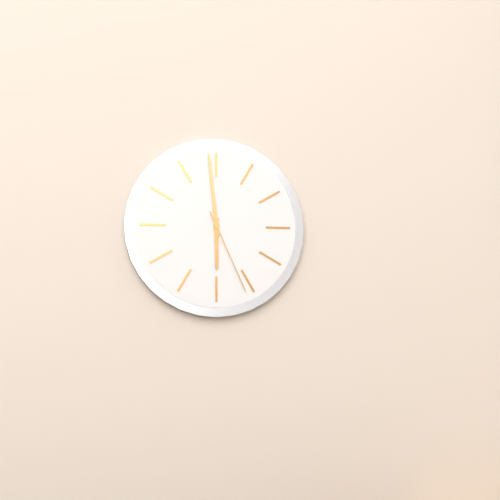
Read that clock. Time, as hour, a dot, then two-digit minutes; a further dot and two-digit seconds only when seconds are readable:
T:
5.59.26
